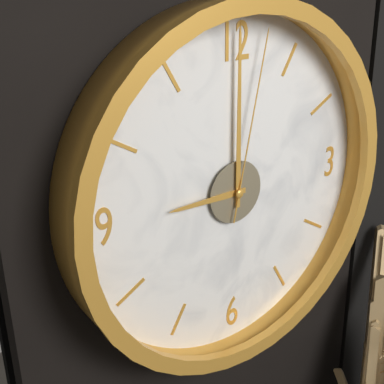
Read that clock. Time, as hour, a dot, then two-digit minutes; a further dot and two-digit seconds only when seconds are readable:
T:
9.00.02
